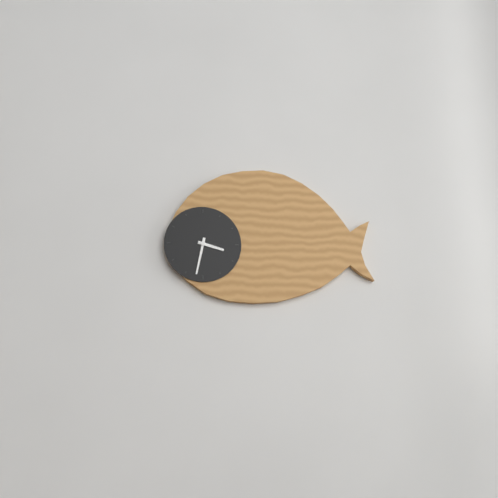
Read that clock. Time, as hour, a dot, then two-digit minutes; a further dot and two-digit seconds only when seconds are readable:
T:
3.32
